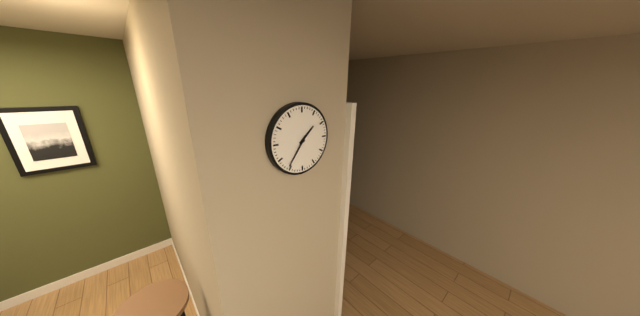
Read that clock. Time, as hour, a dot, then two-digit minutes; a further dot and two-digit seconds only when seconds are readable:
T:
1.36
